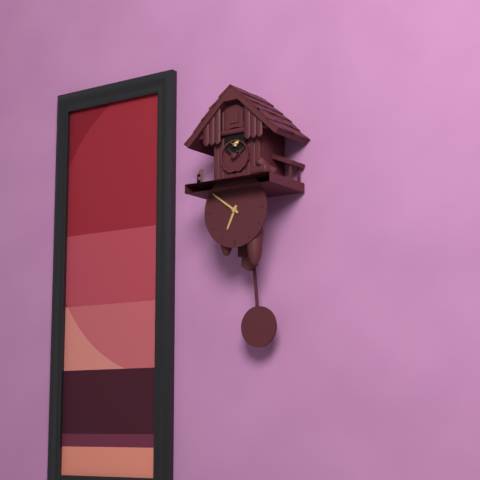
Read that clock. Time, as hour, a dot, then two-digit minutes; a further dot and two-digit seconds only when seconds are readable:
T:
6.51
